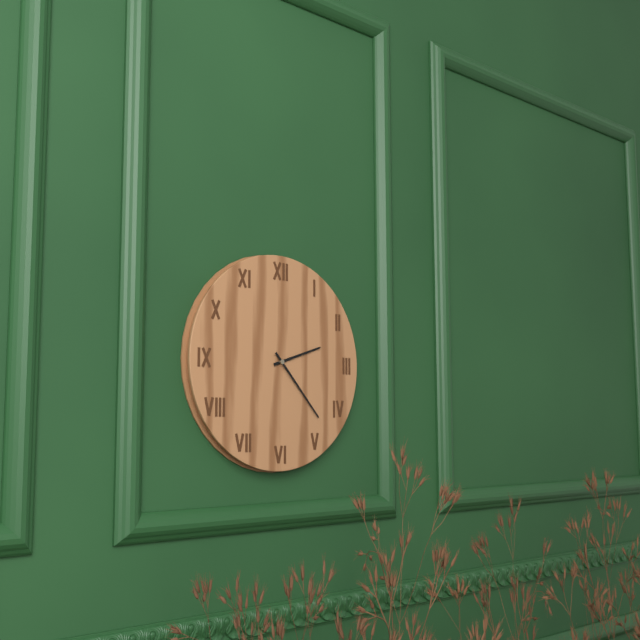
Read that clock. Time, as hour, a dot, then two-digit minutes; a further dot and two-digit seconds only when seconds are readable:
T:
2.23
